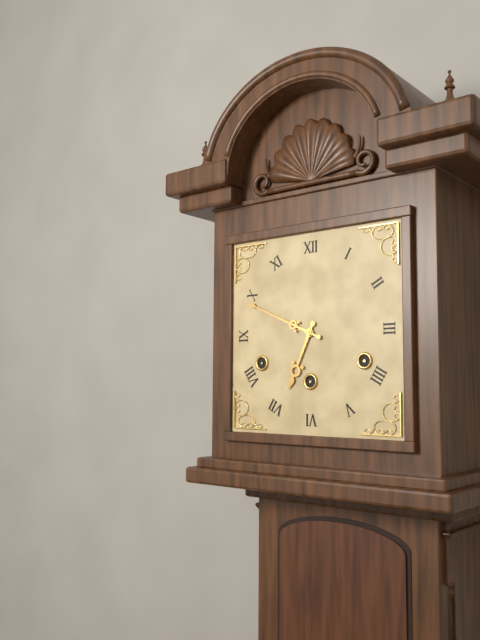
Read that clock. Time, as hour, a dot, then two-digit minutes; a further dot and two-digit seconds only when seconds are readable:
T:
6.49
